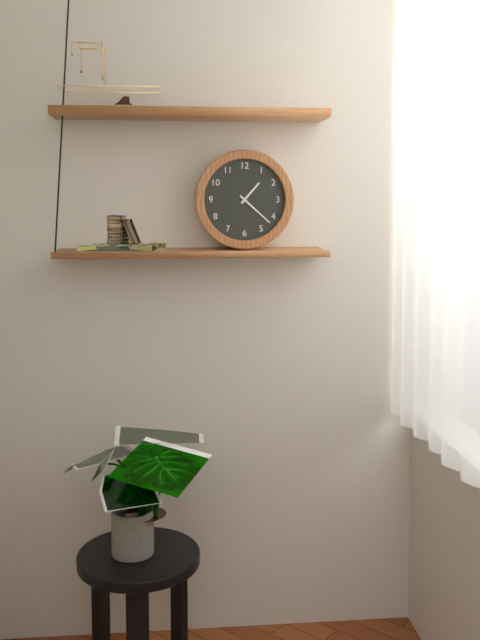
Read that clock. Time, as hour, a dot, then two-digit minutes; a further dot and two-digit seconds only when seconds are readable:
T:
1.22
